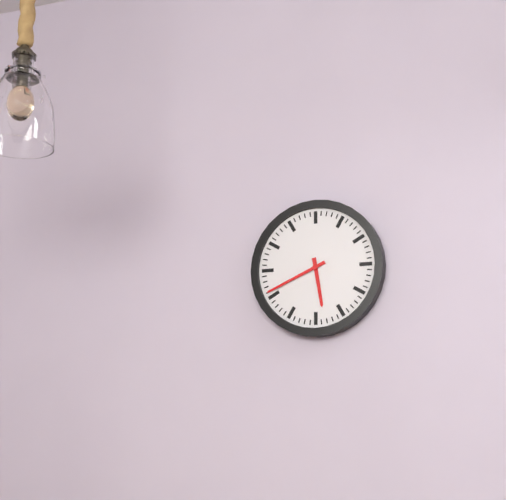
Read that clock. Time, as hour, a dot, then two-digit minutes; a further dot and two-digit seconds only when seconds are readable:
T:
5.41
